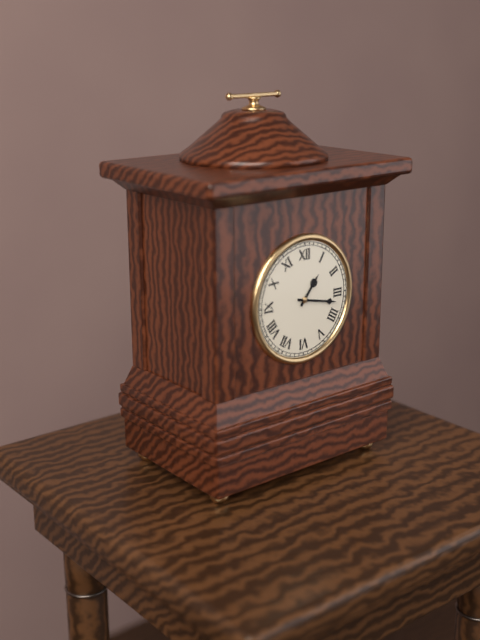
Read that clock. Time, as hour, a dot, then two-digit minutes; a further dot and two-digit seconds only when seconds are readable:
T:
1.17
